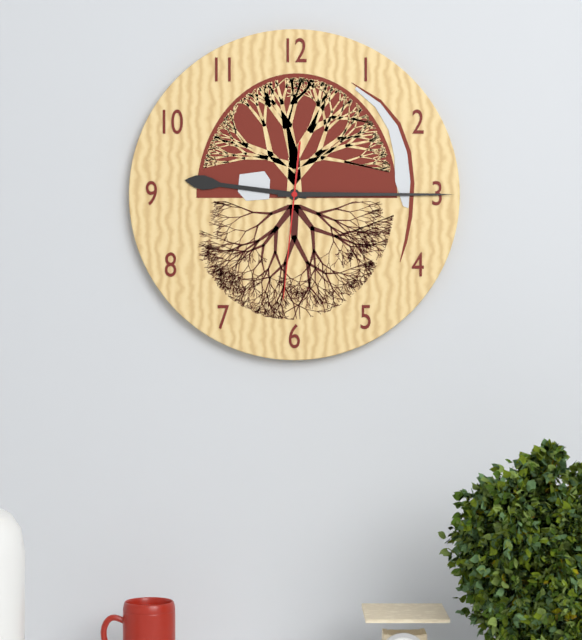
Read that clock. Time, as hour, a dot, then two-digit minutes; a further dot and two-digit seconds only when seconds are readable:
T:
9.15.31
